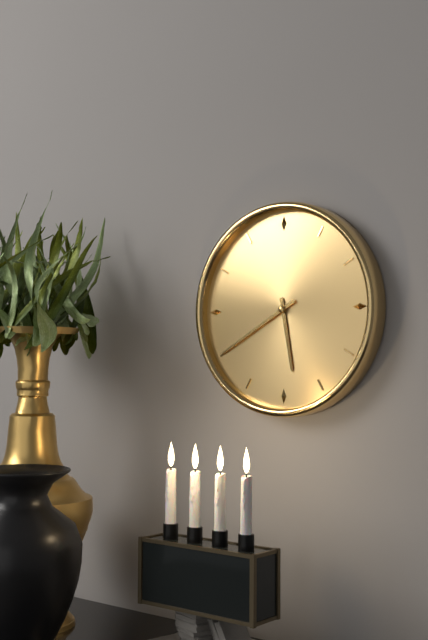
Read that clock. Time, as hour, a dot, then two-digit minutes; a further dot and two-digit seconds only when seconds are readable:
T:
5.40
